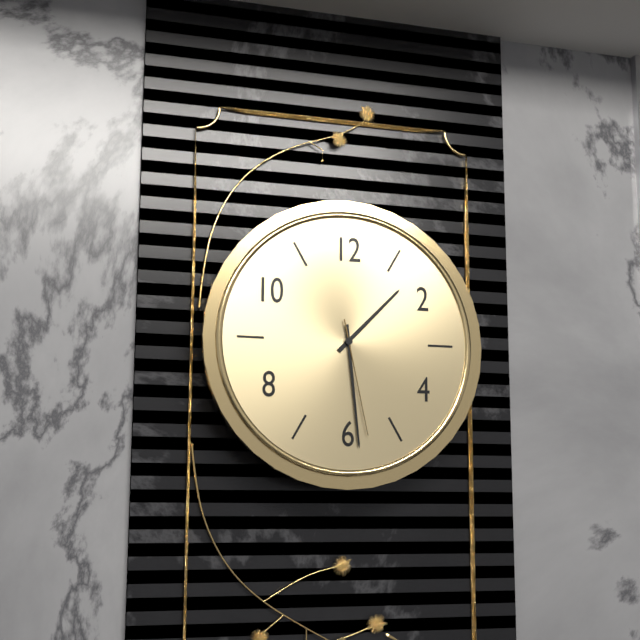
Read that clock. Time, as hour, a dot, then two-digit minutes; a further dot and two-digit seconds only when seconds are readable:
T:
1.29.28
